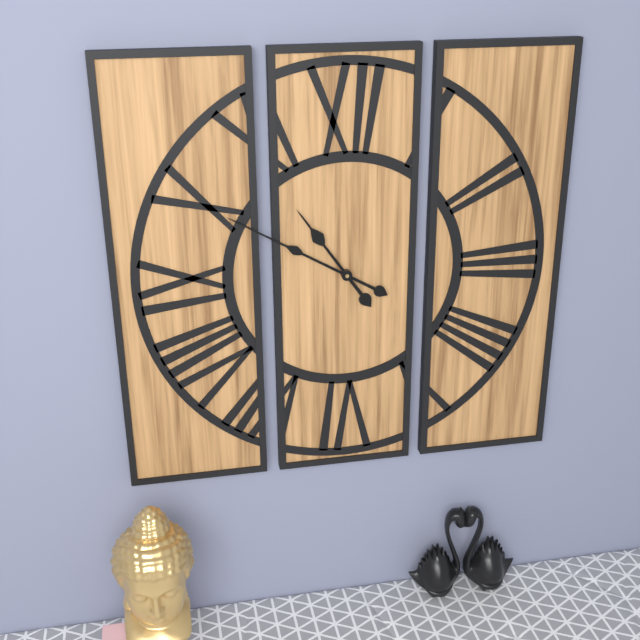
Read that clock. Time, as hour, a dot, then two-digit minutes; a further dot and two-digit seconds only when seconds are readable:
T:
10.50
